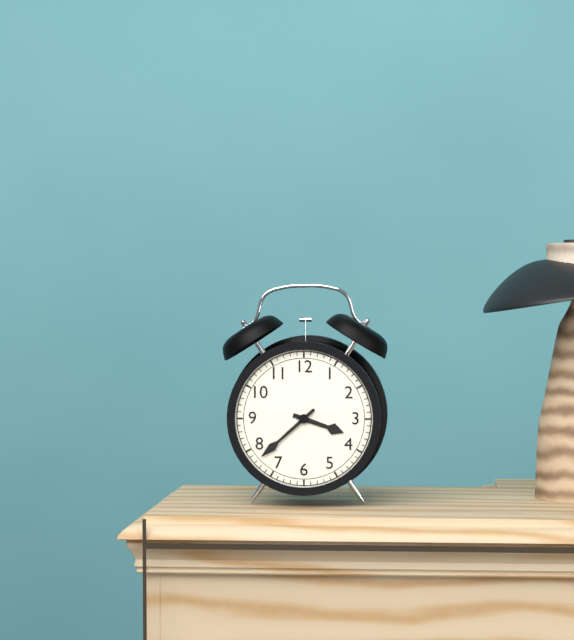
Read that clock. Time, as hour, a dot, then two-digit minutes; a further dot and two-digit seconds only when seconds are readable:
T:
3.38
